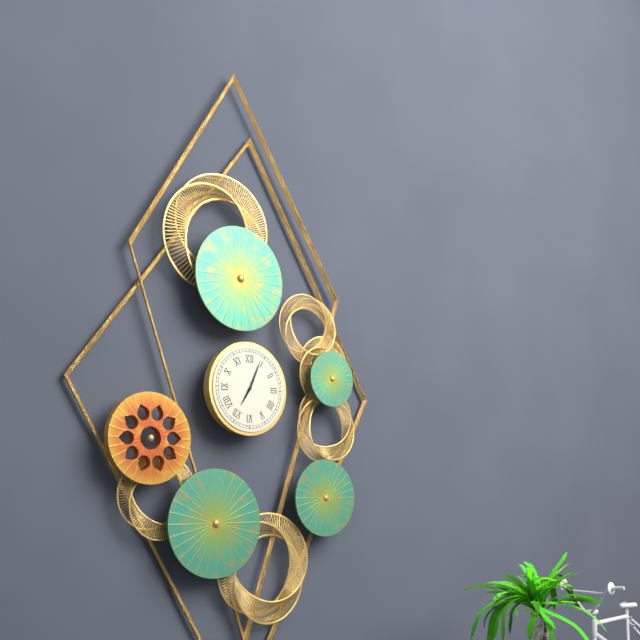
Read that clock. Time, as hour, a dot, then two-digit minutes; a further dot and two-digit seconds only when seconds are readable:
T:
7.04
